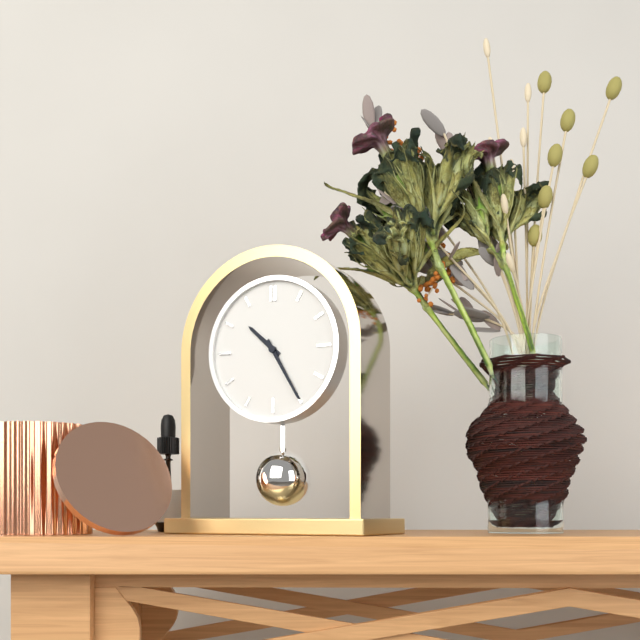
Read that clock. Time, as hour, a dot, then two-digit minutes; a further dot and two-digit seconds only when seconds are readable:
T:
10.25
